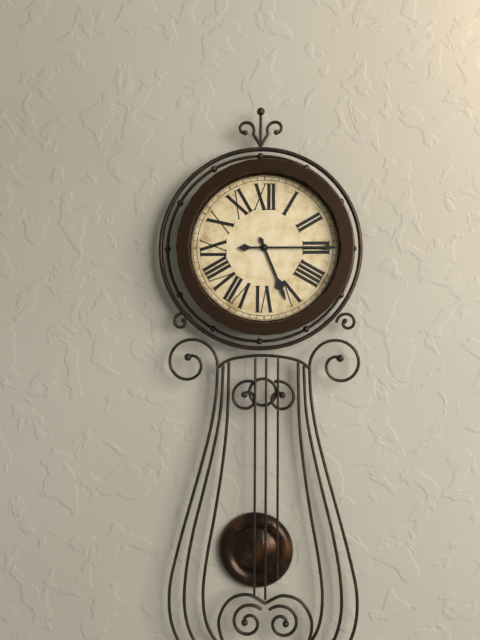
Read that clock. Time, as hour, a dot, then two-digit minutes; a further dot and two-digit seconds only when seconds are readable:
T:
5.15
